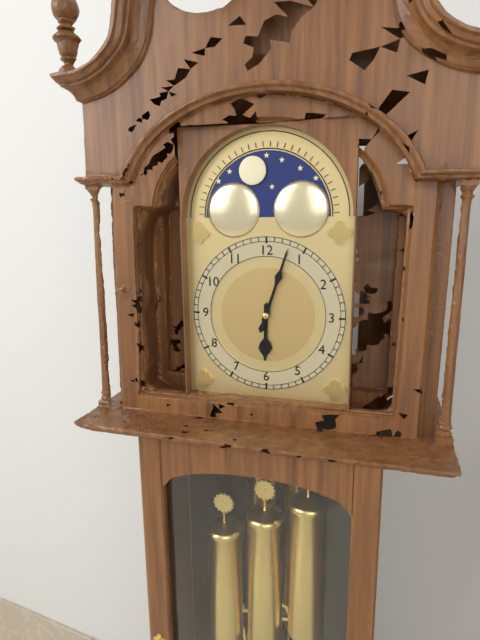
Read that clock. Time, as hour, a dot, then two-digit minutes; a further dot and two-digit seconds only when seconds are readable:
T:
6.03
